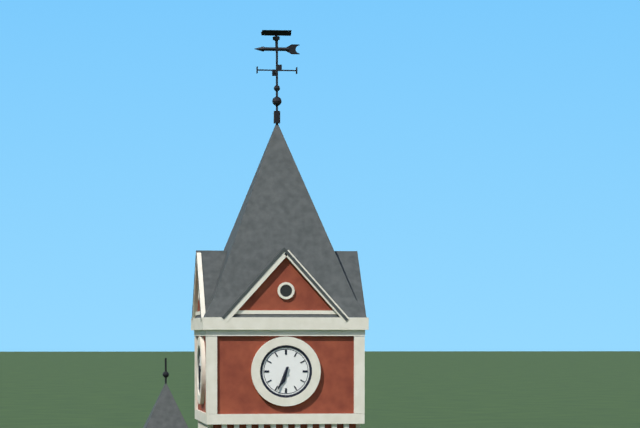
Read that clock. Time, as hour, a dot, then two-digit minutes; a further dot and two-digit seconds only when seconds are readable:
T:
6.34
